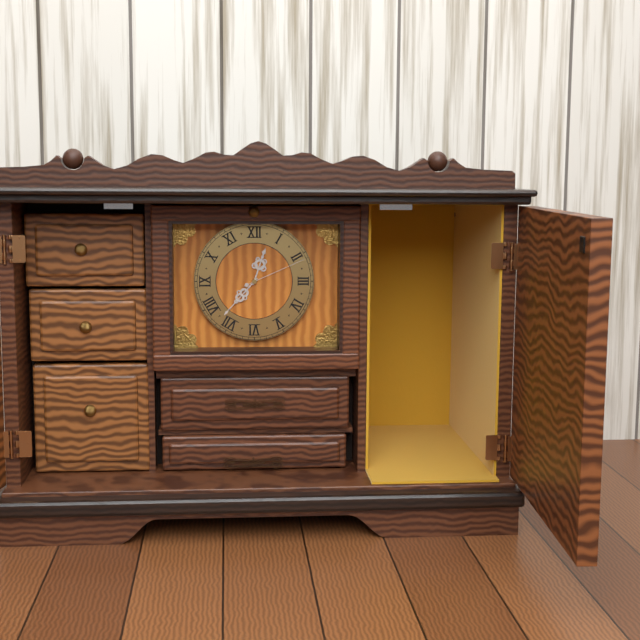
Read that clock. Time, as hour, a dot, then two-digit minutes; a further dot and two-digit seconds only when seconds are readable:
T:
12.37.11
